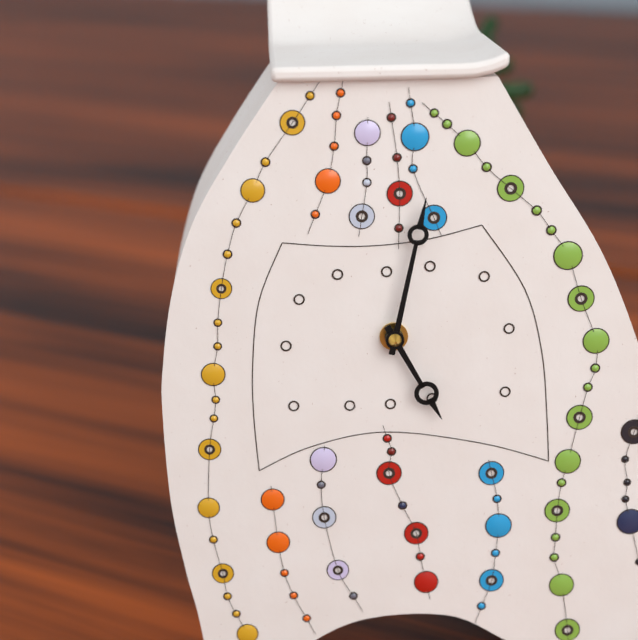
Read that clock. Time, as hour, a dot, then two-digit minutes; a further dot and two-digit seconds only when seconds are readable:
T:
5.02
